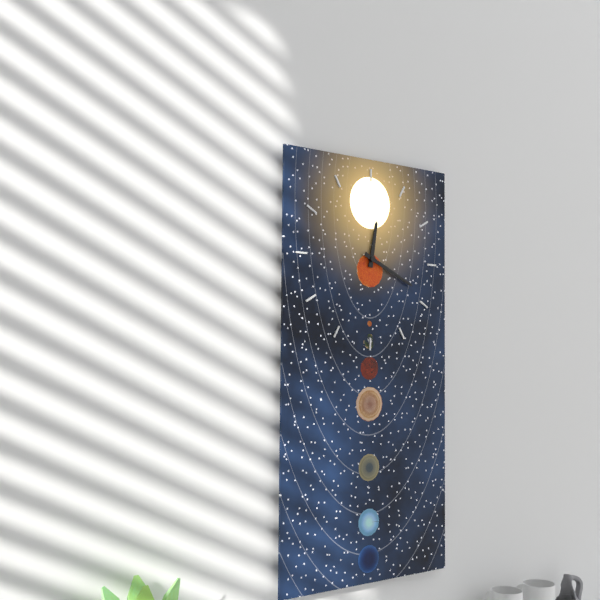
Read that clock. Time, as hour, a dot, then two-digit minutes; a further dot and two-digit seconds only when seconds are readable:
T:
12.19
